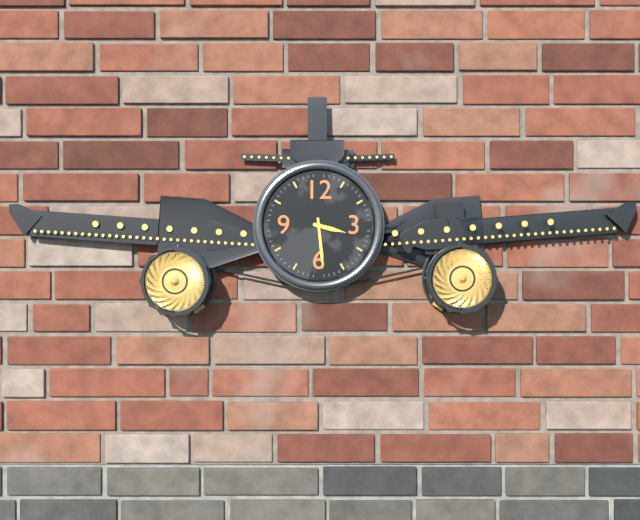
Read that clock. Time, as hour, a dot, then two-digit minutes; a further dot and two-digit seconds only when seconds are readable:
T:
3.29
